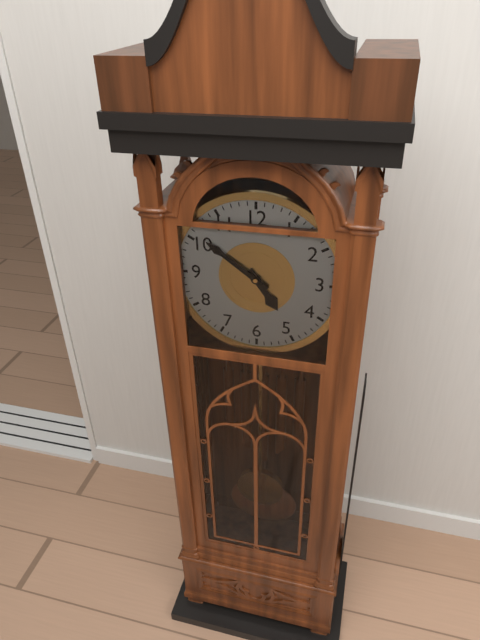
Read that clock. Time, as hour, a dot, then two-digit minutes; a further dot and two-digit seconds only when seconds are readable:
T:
4.51
